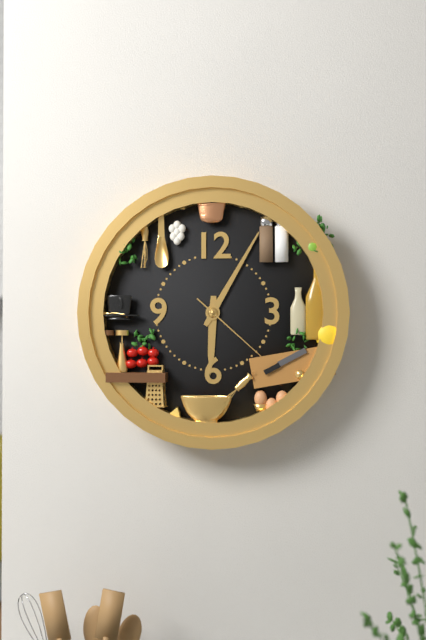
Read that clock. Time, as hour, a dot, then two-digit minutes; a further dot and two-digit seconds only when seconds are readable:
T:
6.05.22
